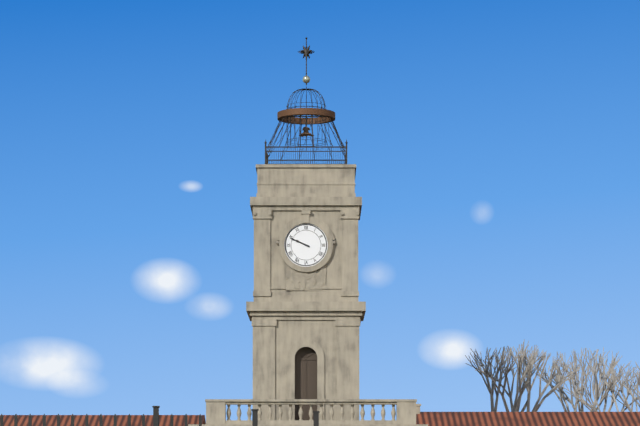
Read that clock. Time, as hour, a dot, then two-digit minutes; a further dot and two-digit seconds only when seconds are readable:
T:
9.49
